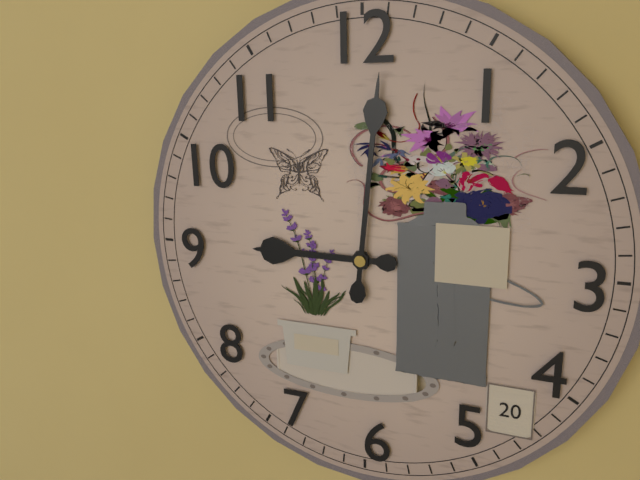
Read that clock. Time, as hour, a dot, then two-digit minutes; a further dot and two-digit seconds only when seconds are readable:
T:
9.01
